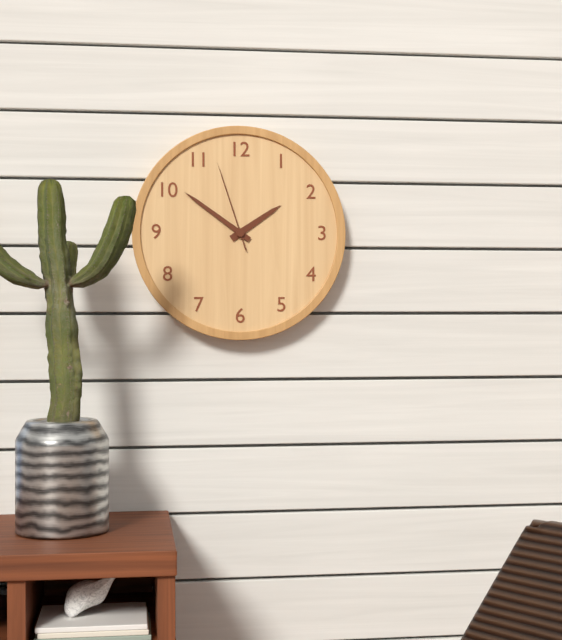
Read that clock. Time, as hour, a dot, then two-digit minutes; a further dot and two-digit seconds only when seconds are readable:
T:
1.51.57
